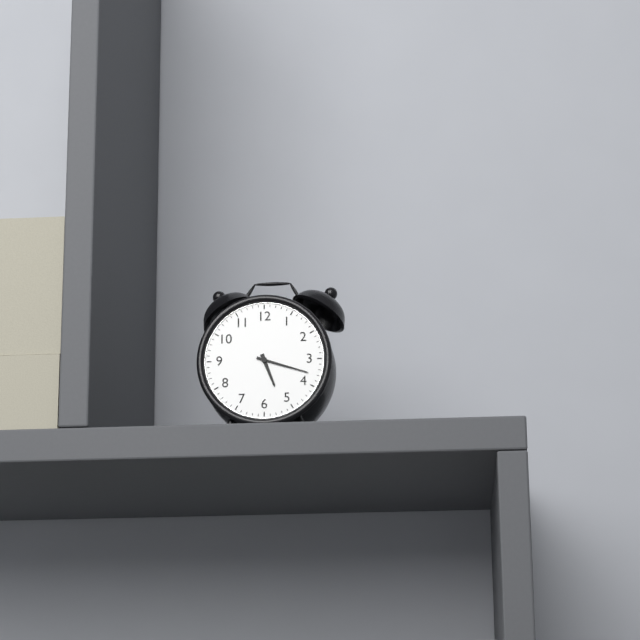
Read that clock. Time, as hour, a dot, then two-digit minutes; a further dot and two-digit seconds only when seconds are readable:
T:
5.18
